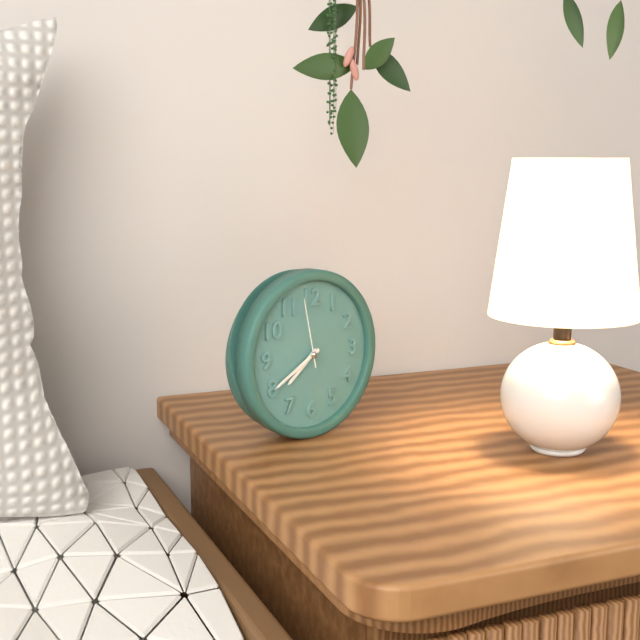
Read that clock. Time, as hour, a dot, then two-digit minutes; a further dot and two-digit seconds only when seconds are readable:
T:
7.40.58
